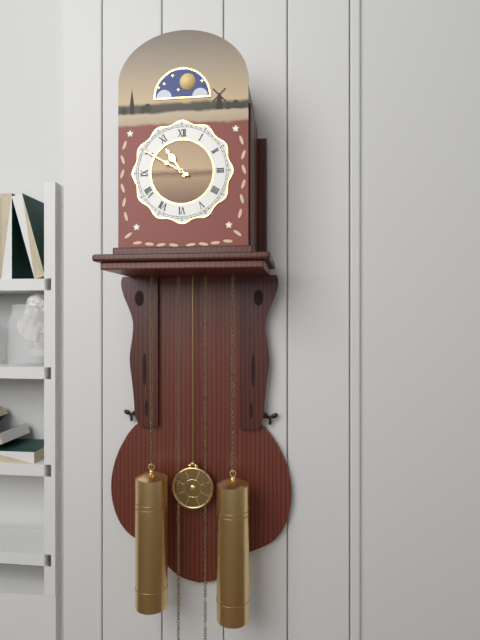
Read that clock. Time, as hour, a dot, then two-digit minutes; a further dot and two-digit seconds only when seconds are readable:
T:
10.50
